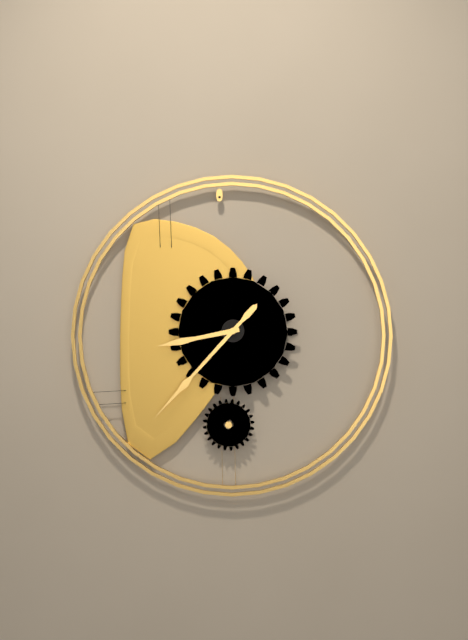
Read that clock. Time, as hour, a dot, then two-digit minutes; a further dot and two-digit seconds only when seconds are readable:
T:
8.37
